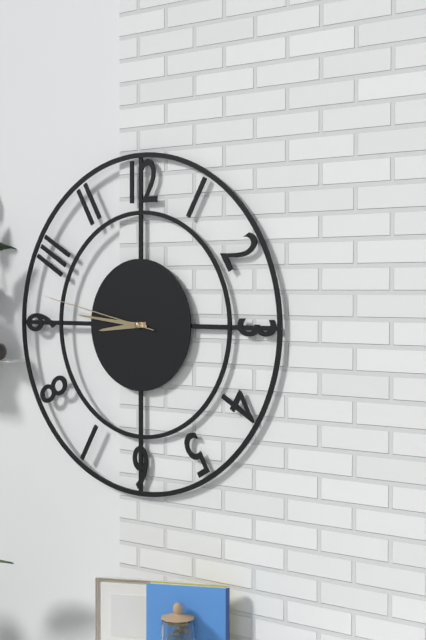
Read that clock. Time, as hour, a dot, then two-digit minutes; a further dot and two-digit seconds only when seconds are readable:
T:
8.46.47
